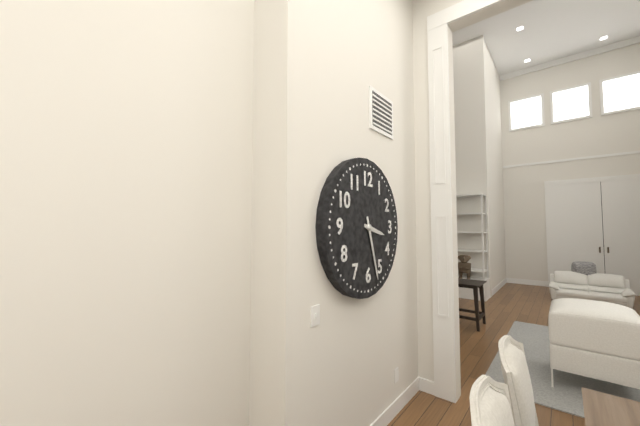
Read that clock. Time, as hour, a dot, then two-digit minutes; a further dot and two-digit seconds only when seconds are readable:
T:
3.27
